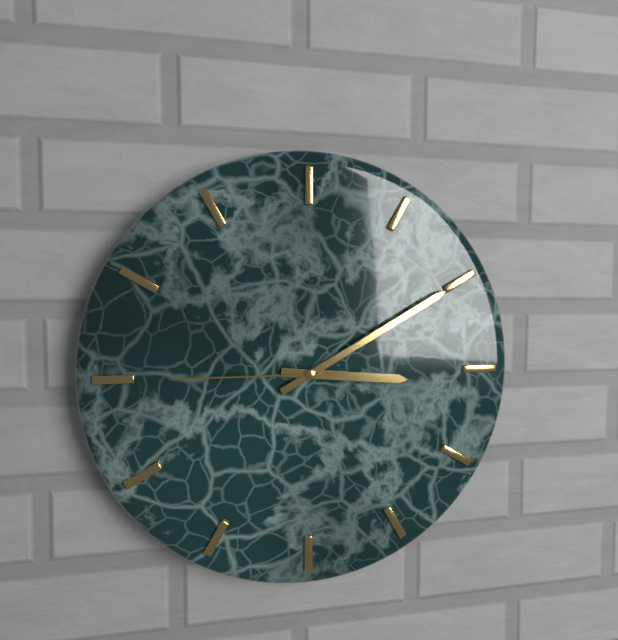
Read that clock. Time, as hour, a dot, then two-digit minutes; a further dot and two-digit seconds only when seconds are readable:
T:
3.10.45
